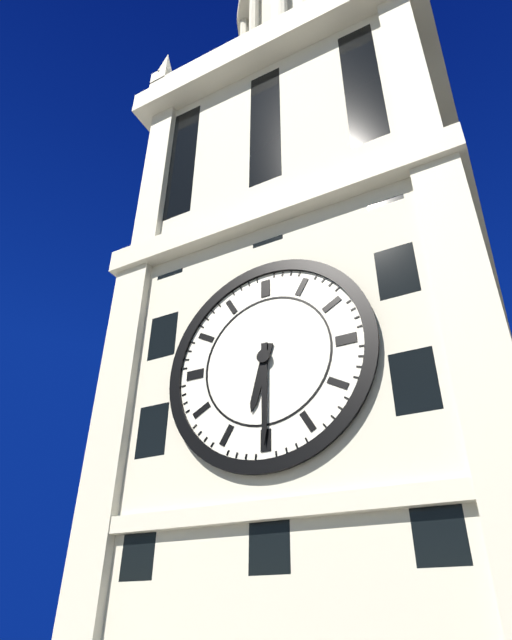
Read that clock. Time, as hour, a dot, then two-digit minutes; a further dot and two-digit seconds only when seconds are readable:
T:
6.30
